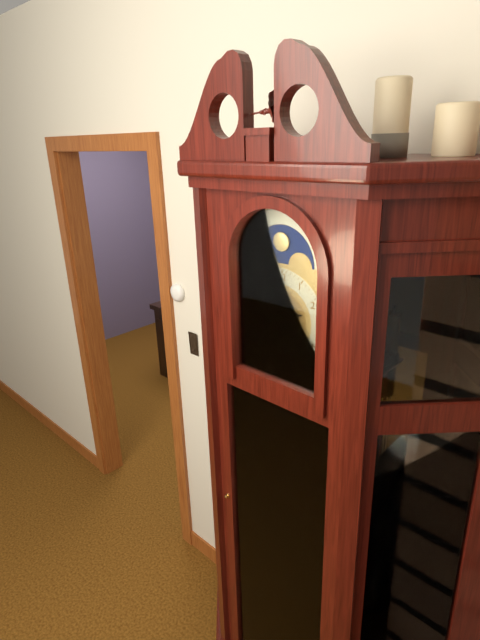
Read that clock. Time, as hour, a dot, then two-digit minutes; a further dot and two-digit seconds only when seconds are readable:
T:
2.19
